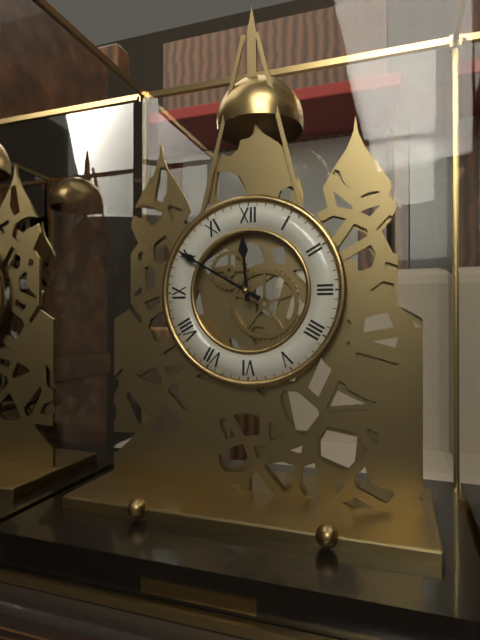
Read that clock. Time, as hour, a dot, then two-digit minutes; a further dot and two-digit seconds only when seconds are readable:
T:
11.50
